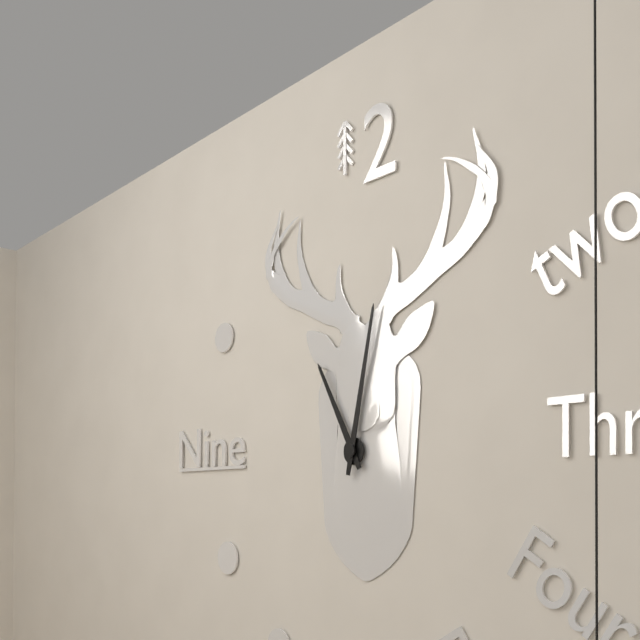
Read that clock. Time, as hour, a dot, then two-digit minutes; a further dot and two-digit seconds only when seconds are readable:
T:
11.02
